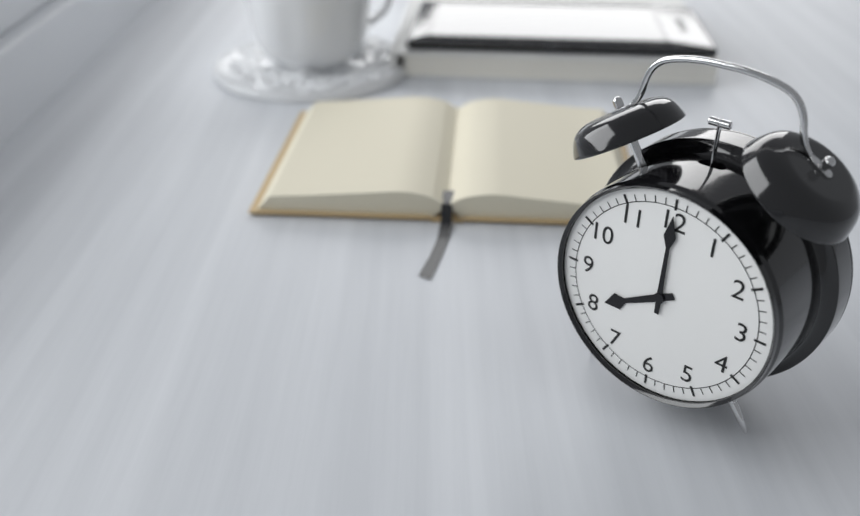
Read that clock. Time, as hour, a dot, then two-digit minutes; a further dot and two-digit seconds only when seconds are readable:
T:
8.00
